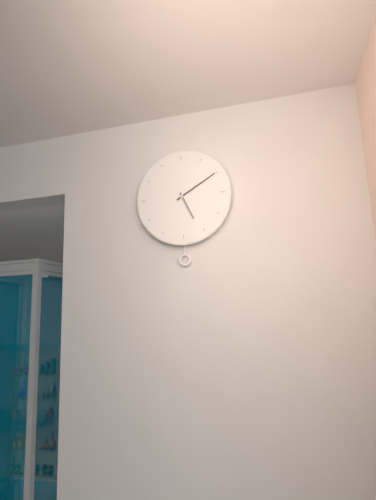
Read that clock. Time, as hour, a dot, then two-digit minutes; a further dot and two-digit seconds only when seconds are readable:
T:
5.10
